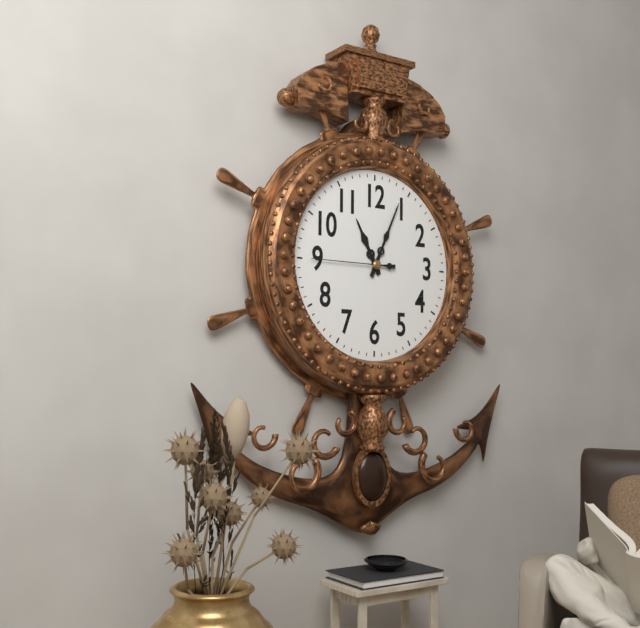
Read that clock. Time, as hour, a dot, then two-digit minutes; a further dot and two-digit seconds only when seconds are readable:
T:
11.04.45
